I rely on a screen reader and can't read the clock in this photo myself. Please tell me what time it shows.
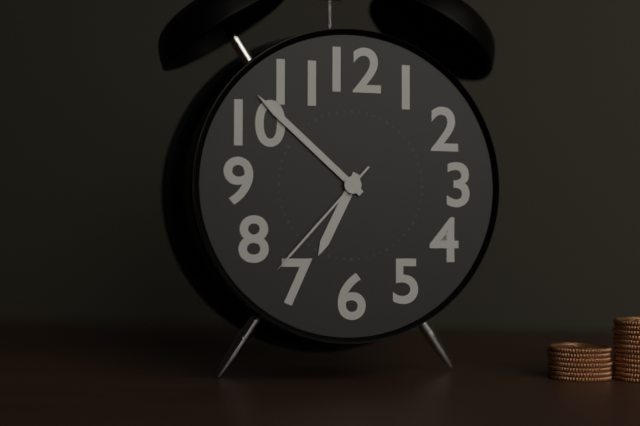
6:52:37
